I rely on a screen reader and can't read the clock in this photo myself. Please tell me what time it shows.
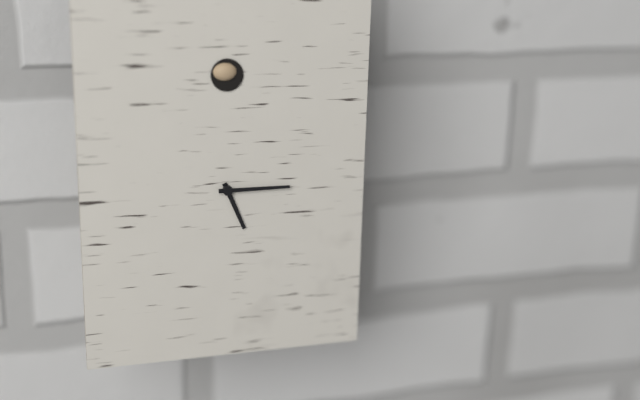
5:15
